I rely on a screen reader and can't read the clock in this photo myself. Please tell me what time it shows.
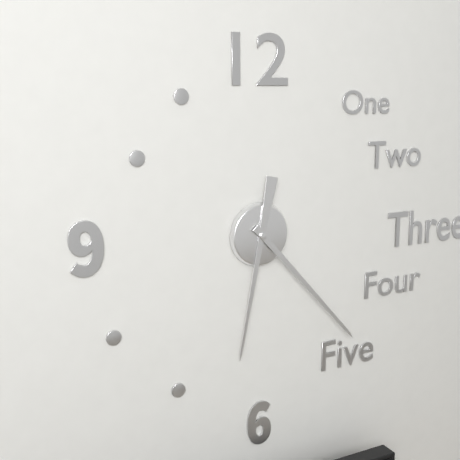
6:23
